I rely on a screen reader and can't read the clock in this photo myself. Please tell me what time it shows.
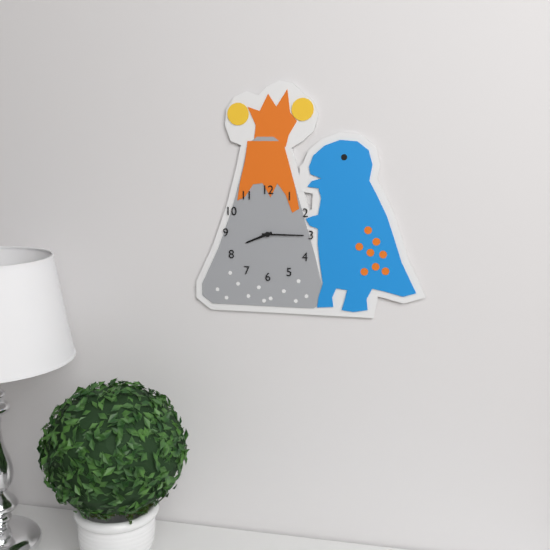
8:15
